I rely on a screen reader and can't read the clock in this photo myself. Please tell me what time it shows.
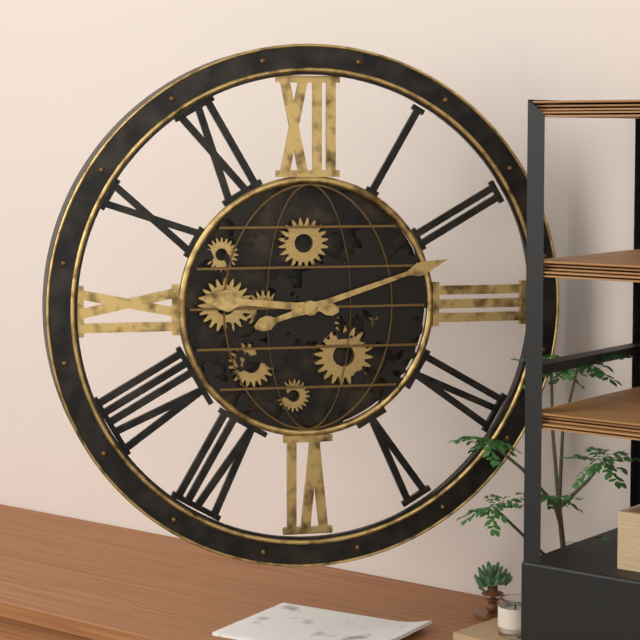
9:12
